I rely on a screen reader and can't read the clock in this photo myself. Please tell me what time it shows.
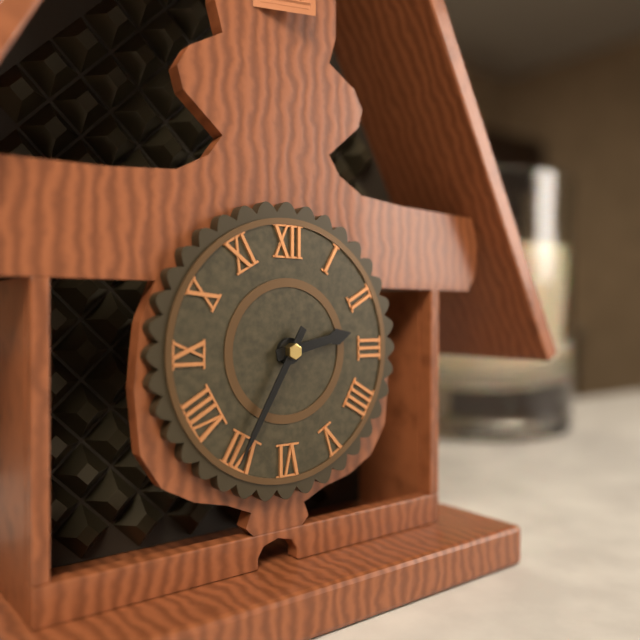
2:35
